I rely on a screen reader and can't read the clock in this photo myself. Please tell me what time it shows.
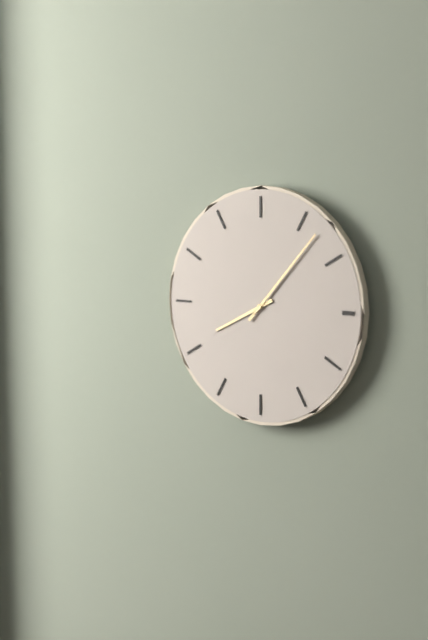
8:07
